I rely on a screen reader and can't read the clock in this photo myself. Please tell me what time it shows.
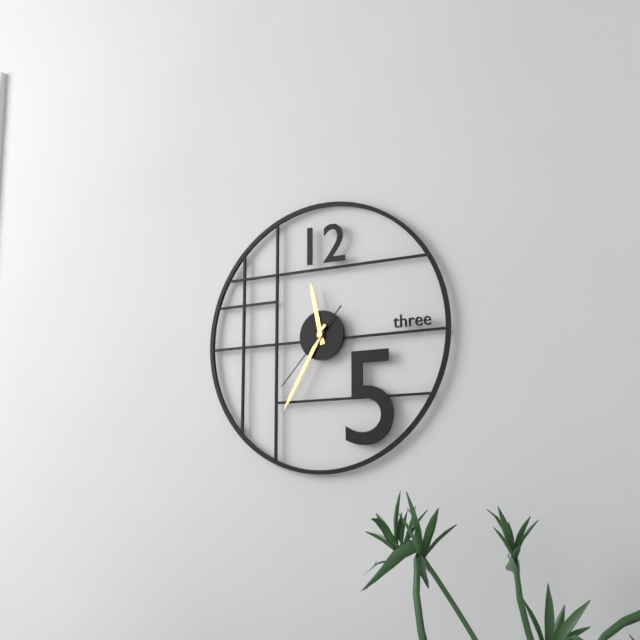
11:35:37
